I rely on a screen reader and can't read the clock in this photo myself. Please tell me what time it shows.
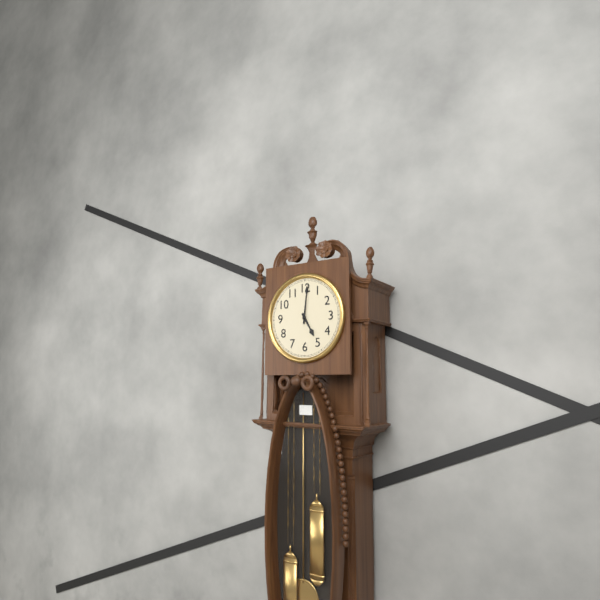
5:01
